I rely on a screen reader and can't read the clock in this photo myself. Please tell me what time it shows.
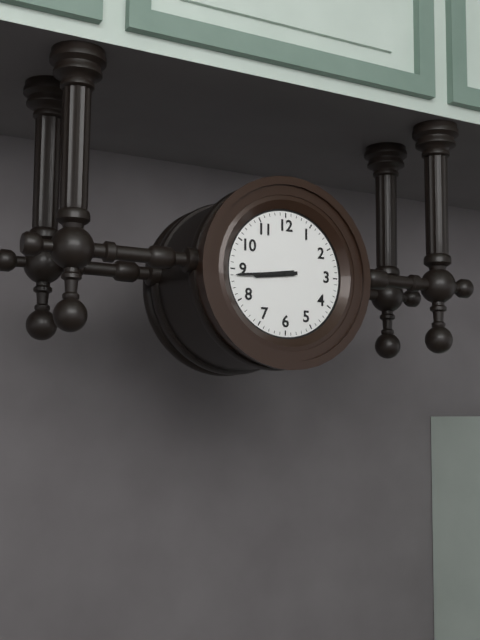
8:44
